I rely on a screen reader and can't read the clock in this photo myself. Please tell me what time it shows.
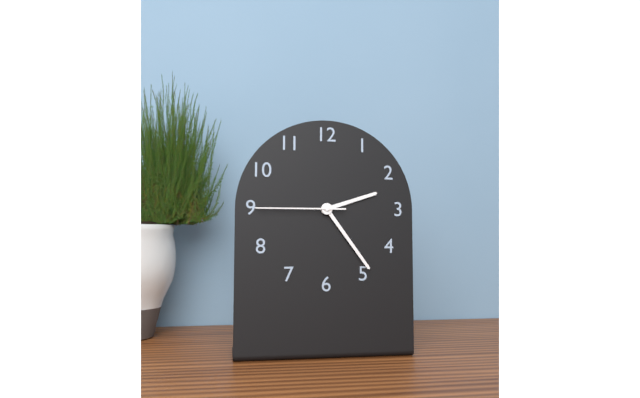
2:24:45
